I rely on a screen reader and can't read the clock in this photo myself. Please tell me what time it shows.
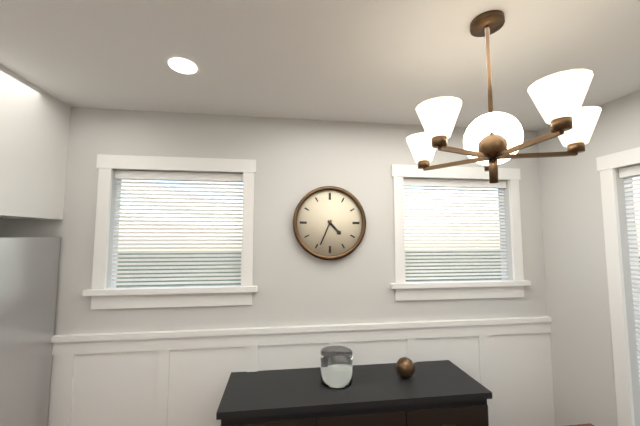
4:34
